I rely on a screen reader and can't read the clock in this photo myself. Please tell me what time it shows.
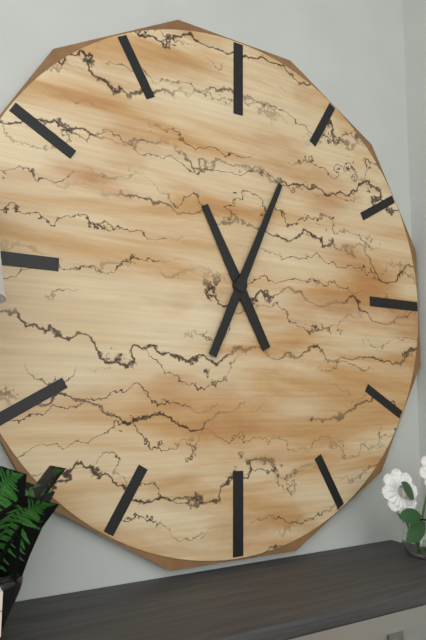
11:04
